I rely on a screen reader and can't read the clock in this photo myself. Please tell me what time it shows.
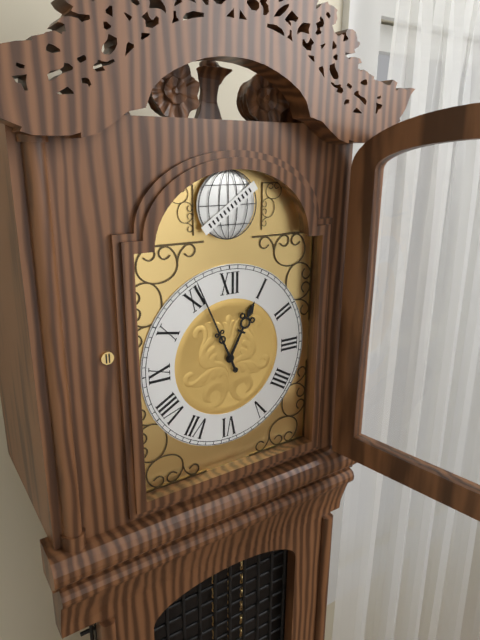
12:56
